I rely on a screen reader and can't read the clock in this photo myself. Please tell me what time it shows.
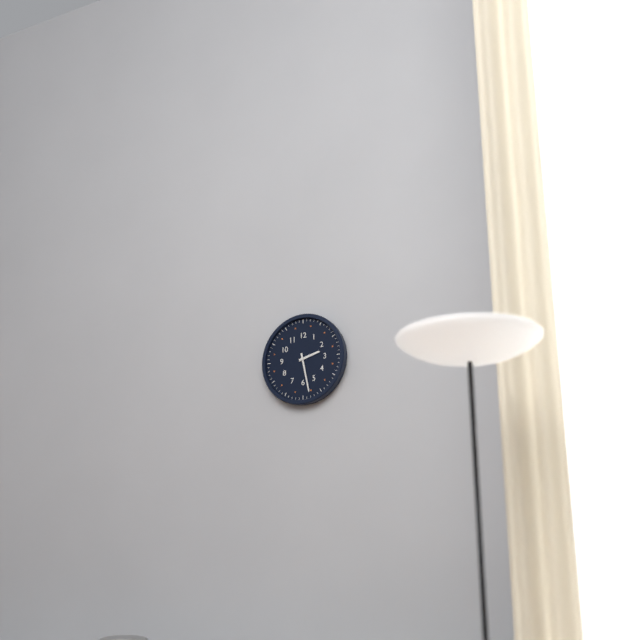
2:28
